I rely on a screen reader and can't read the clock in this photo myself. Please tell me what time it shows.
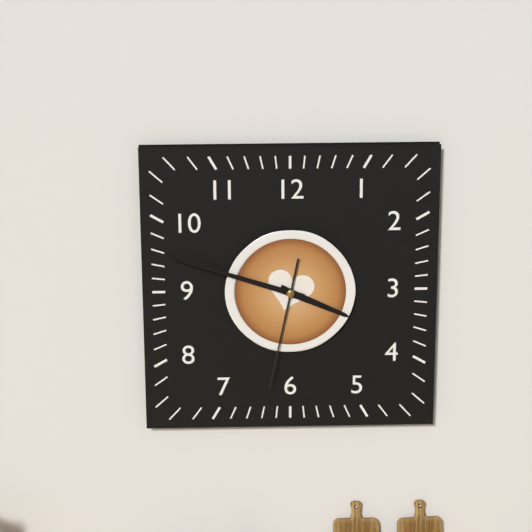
3:48:32
